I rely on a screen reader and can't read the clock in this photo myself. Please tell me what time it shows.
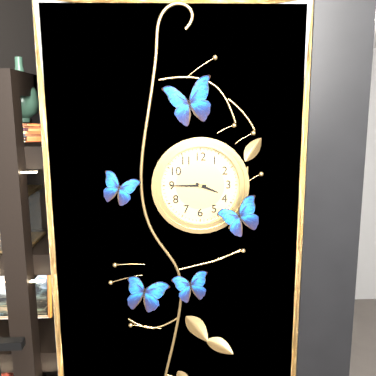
3:45
